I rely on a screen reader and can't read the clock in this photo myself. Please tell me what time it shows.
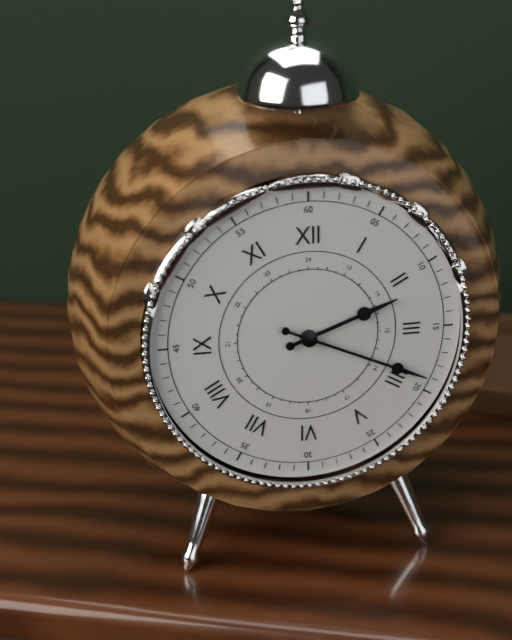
2:19
